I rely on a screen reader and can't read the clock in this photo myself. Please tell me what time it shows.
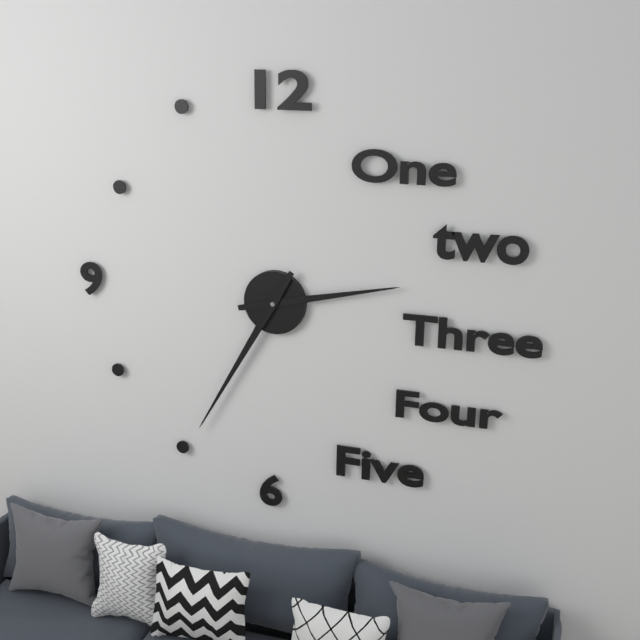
2:35
